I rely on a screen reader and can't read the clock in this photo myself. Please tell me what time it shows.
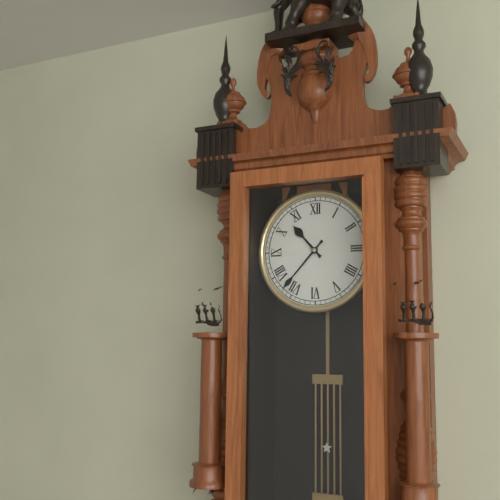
10:37
